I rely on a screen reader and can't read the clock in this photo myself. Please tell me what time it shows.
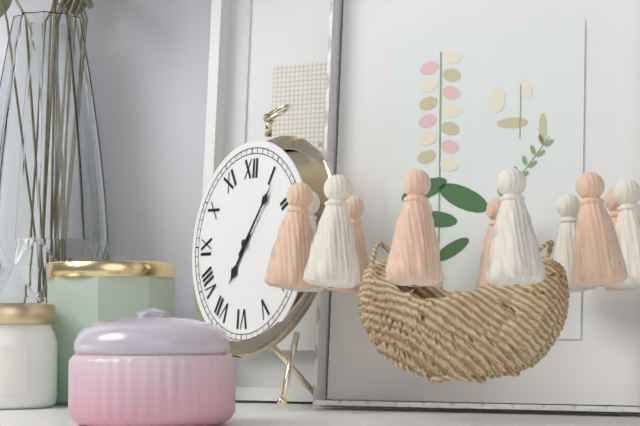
7:06
